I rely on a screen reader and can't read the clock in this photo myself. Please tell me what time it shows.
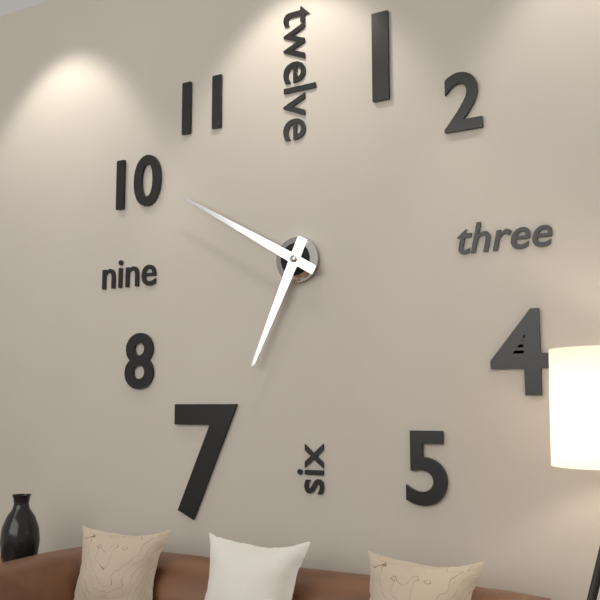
6:50
